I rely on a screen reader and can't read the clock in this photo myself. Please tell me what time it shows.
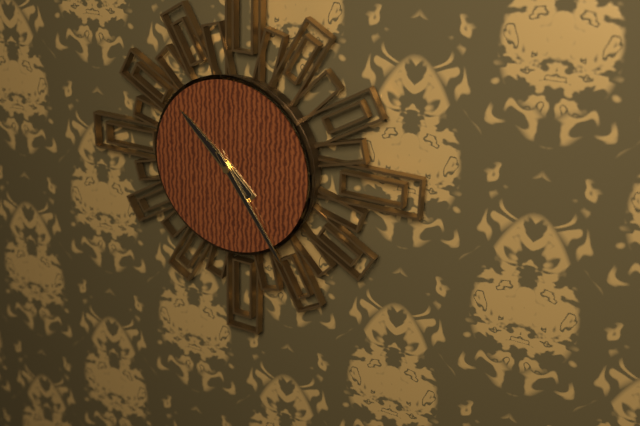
10:24
